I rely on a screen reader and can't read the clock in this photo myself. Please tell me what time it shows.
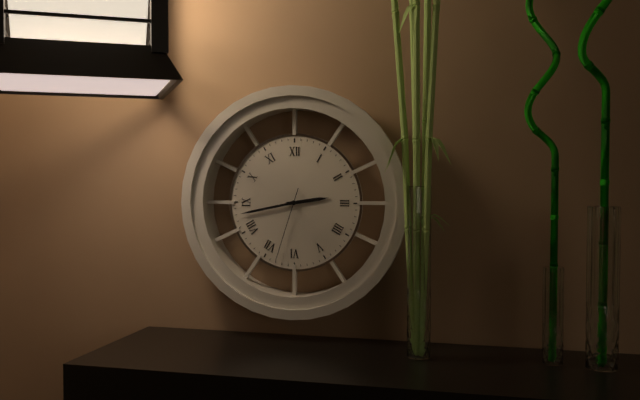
2:43:33
